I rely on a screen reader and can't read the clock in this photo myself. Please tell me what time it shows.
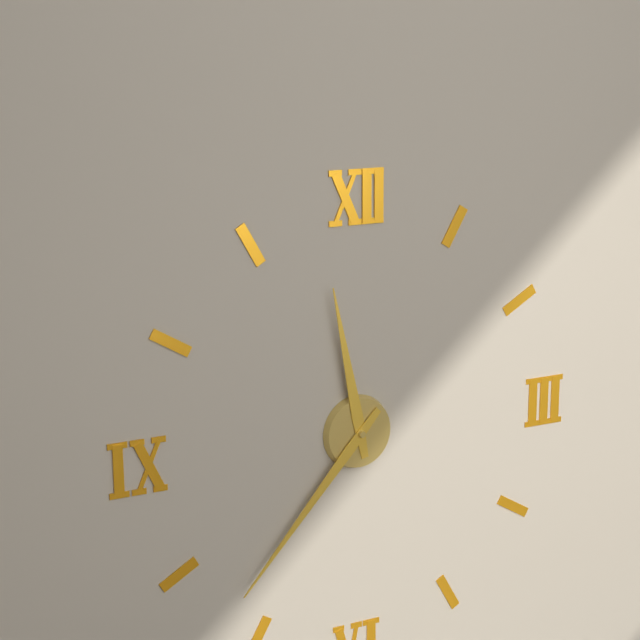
11:37
